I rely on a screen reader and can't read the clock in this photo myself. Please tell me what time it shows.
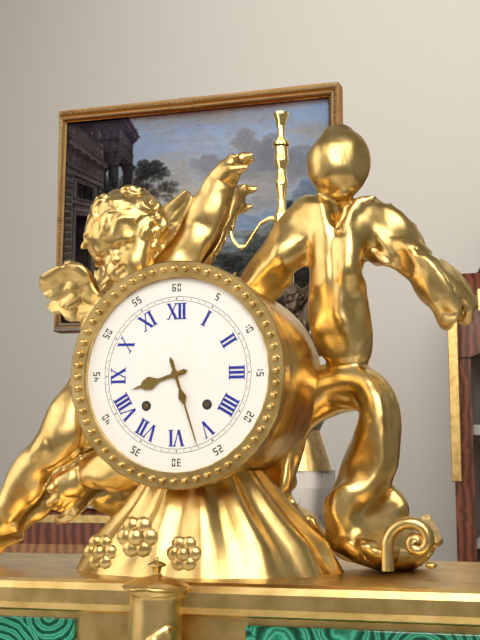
8:27
